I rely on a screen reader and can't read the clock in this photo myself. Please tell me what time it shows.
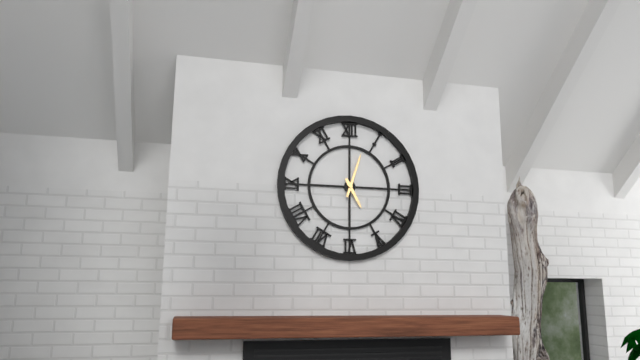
5:03
